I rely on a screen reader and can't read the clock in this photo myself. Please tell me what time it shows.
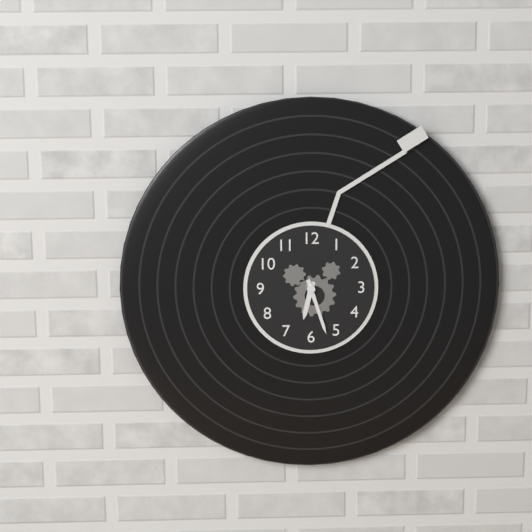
6:27
